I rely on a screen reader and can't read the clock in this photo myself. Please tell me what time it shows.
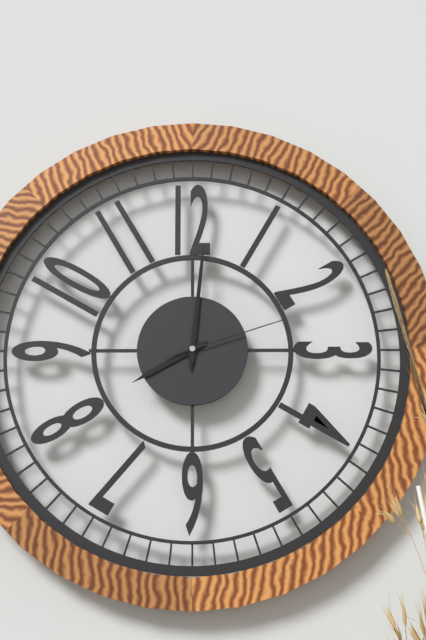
8:01:12
